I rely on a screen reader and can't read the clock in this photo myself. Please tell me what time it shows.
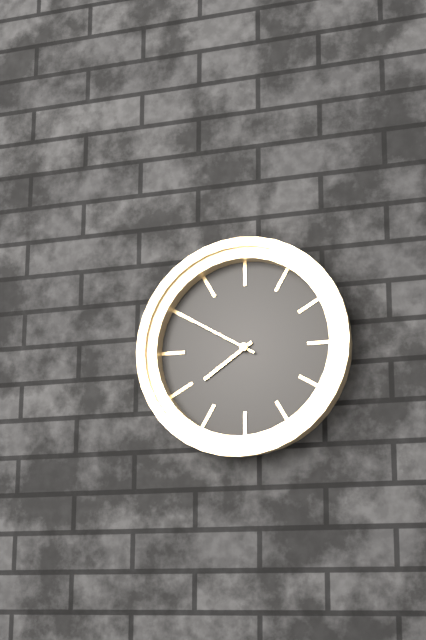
7:50
